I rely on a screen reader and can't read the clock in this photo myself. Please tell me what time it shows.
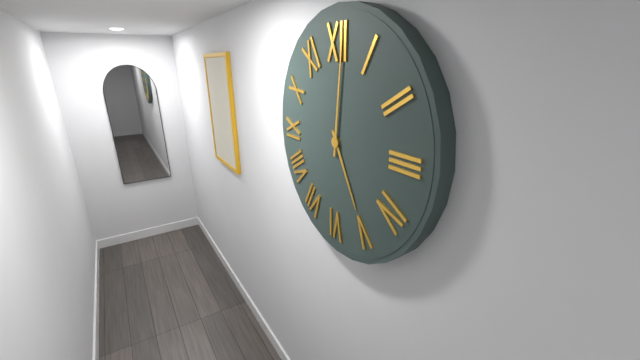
5:01
